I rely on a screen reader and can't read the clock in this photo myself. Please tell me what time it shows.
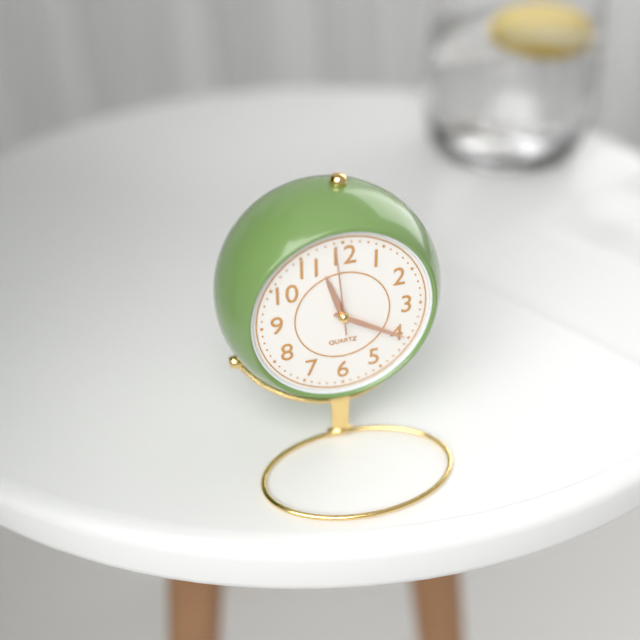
11:20:59
